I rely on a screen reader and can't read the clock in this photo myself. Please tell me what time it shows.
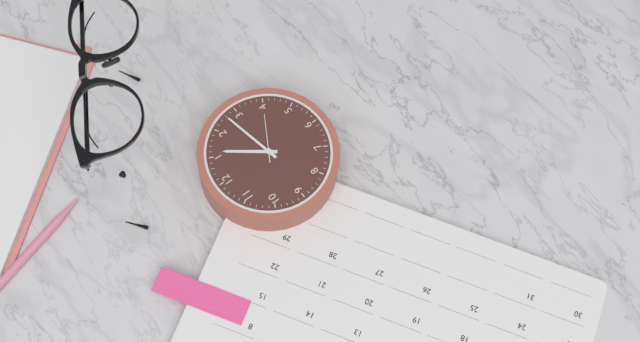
1:13:20
